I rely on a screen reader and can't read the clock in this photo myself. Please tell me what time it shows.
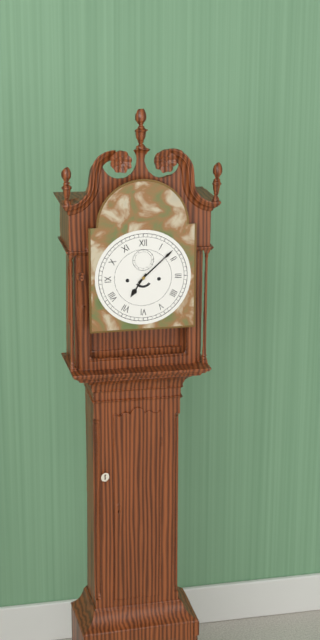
7:08
